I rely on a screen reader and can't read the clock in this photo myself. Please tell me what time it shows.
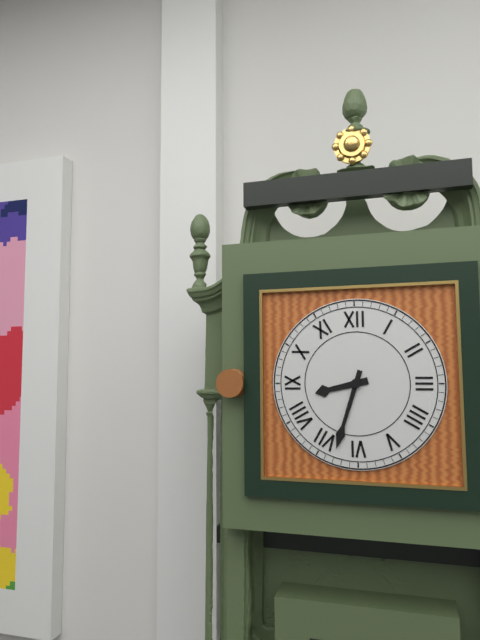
8:33
